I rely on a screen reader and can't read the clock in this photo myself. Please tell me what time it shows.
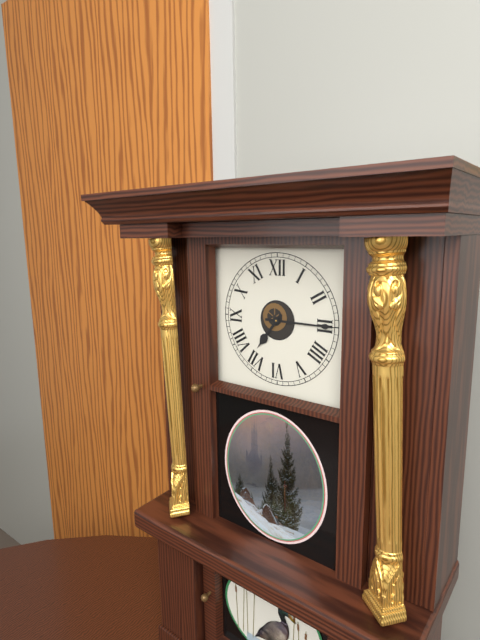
7:15
